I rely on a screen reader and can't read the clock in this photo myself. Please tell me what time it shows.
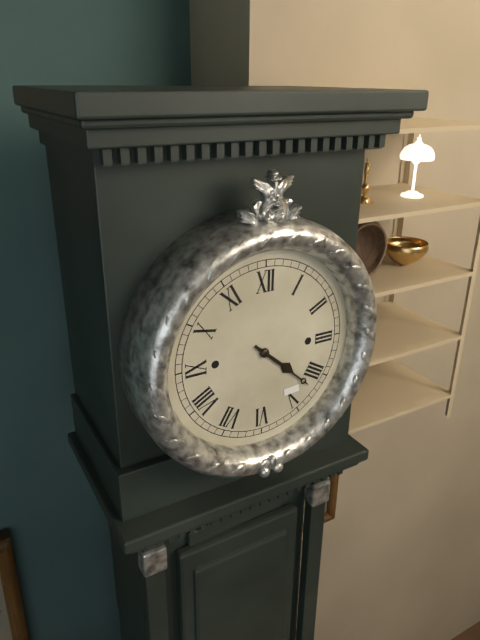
4:22
